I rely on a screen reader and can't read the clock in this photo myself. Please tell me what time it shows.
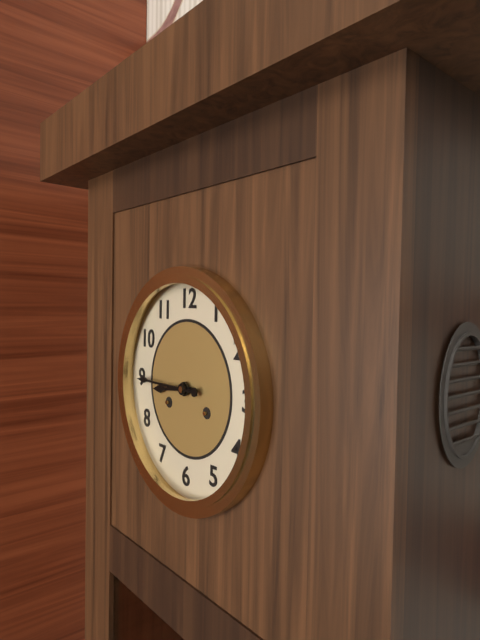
8:45
